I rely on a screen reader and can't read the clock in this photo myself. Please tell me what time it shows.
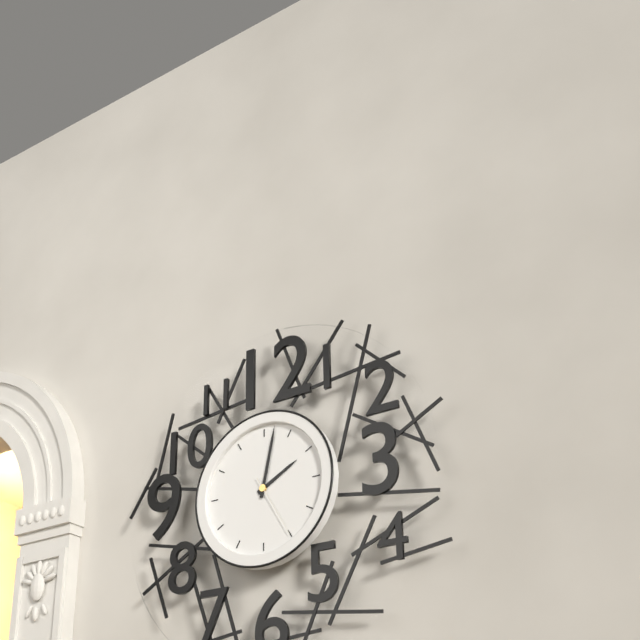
2:02:25
